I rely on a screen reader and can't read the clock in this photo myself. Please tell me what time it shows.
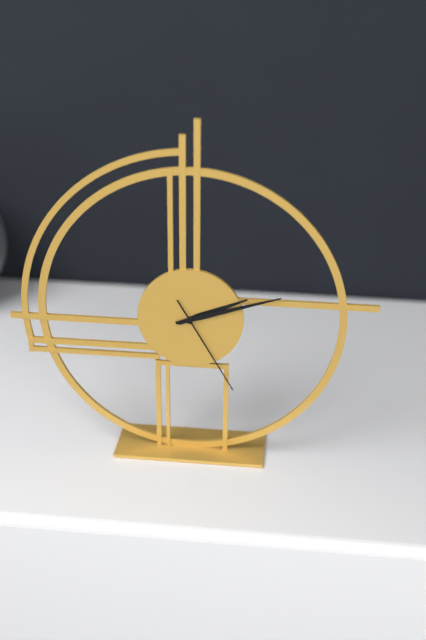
2:12:25
